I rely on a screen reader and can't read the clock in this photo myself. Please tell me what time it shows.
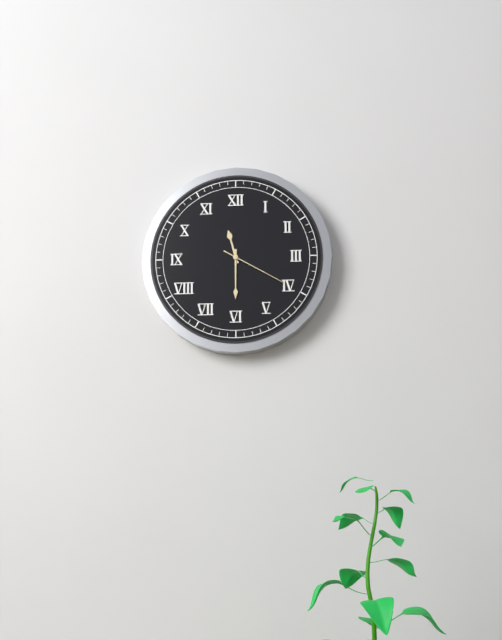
11:30:20
